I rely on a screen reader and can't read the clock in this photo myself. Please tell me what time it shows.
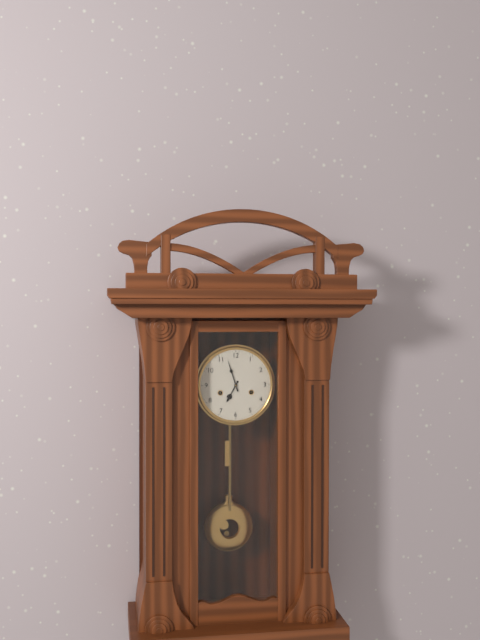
6:57
